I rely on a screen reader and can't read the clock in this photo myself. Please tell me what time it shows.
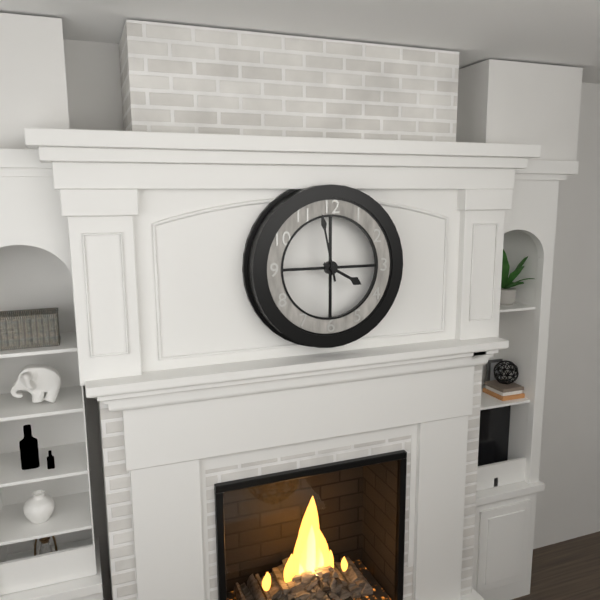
3:58
